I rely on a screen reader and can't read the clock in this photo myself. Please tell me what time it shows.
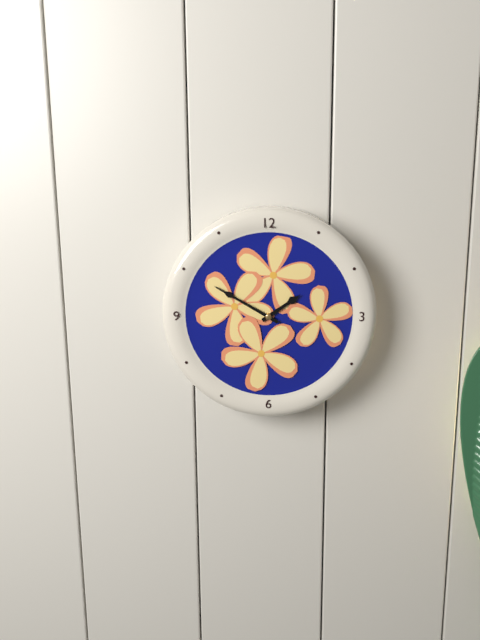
1:50
